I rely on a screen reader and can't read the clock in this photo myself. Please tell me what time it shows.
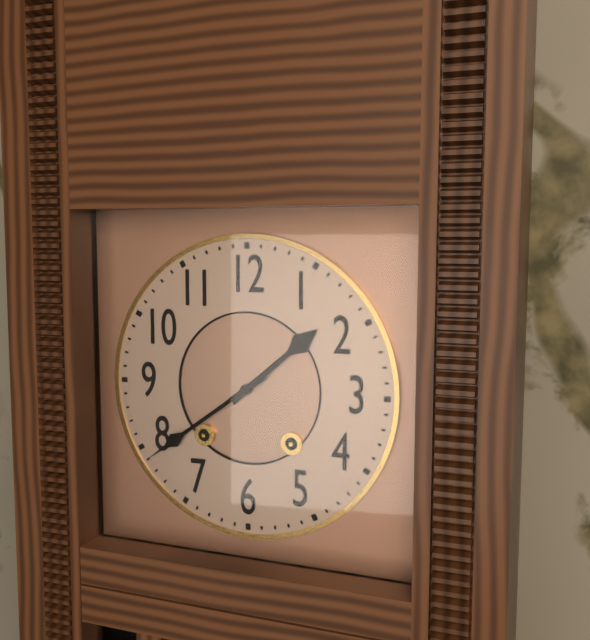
1:39
